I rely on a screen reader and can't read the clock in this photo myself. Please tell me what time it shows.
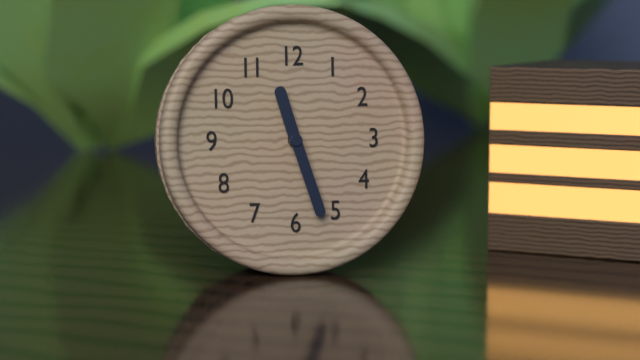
11:27
